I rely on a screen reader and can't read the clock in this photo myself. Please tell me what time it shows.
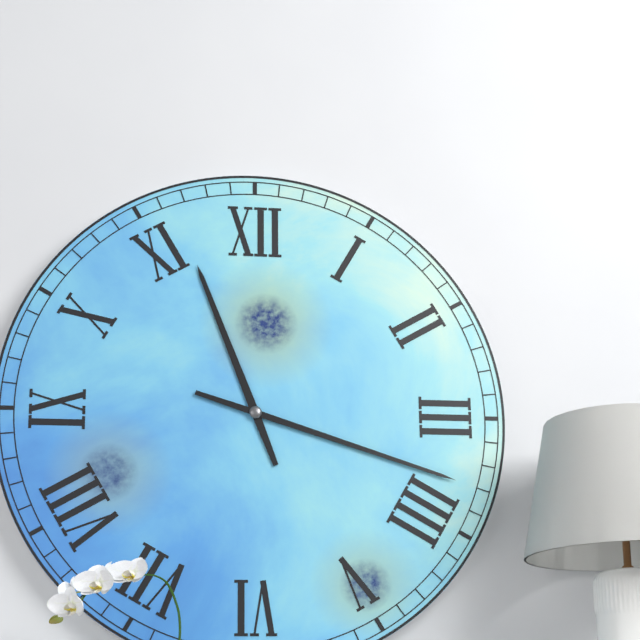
11:18
